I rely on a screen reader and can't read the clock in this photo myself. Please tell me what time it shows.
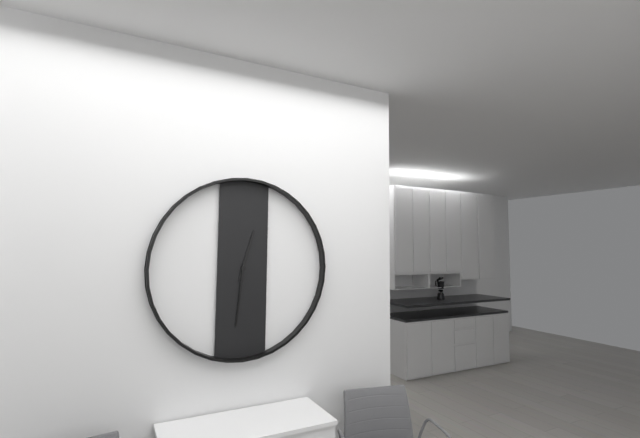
12:31
